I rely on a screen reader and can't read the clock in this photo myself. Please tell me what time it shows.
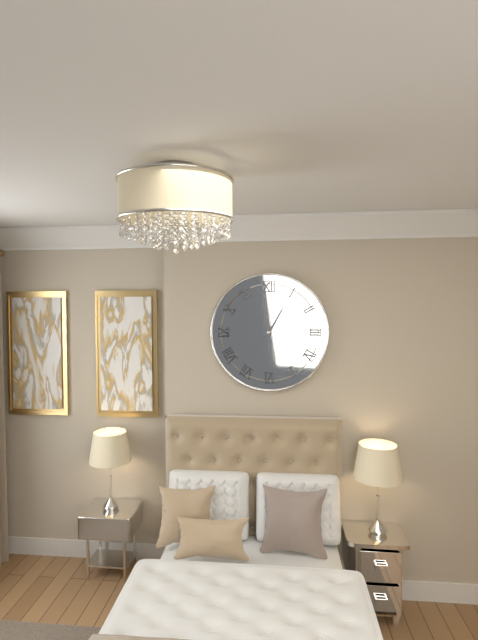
12:59
